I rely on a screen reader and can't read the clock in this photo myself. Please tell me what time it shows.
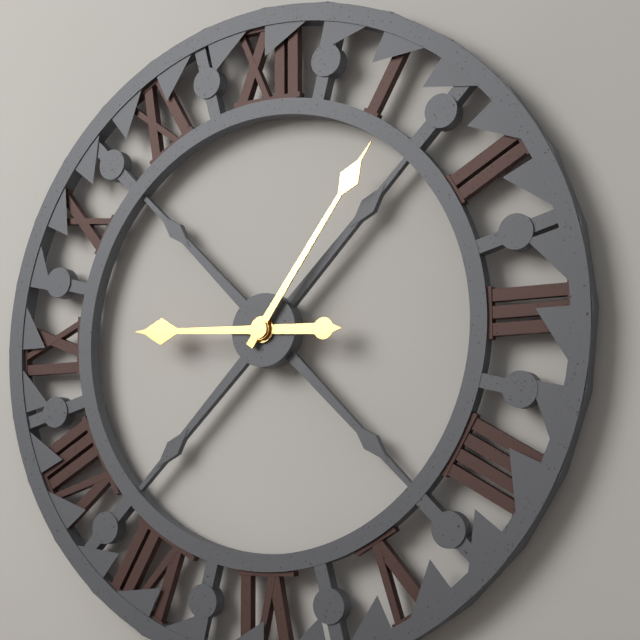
9:06
